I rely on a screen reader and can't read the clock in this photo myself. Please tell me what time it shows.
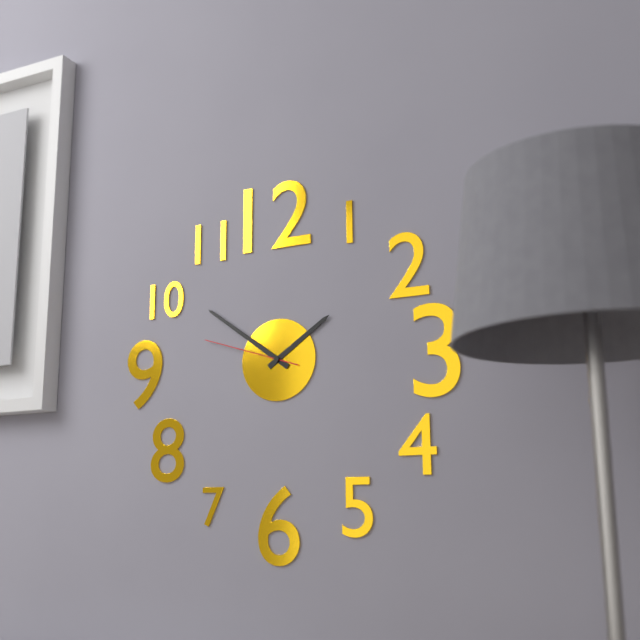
1:51:48
